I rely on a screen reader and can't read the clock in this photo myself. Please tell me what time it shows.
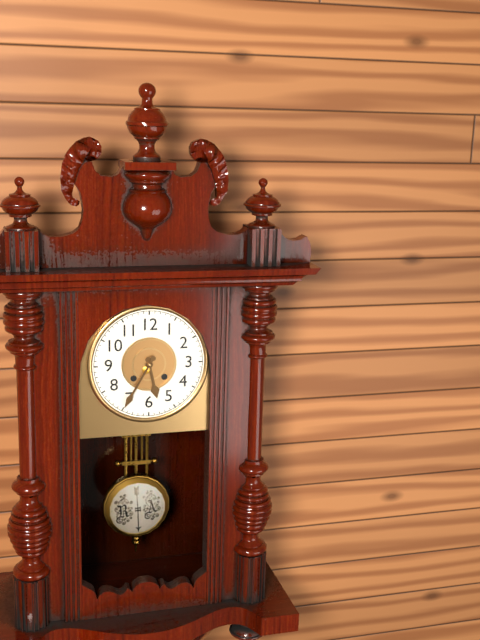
5:35
